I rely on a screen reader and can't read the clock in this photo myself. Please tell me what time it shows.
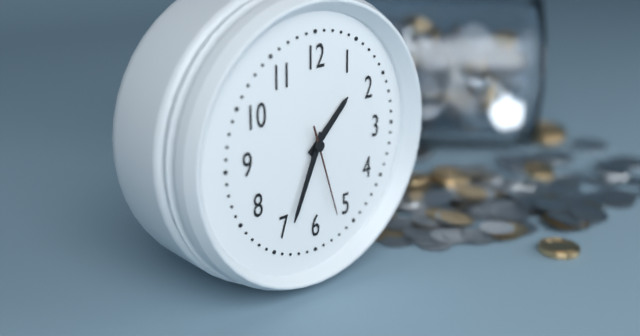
1:34:27
